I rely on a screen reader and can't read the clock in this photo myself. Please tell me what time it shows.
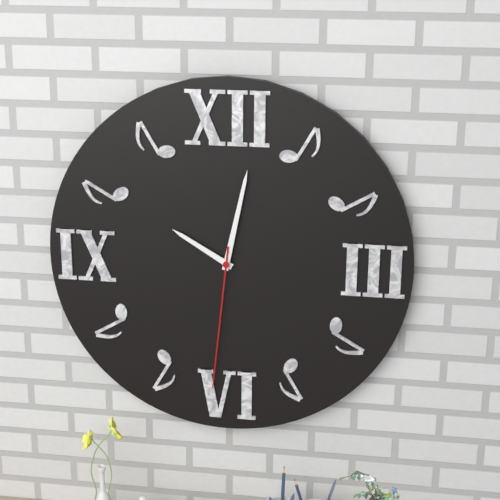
10:02:31
